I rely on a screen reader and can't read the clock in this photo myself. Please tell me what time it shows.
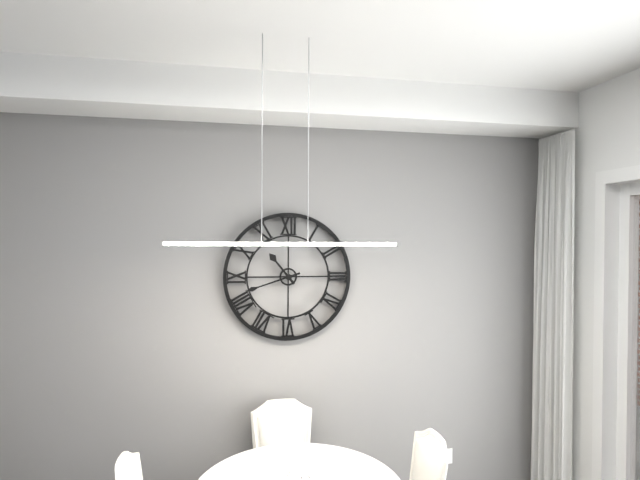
10:42
